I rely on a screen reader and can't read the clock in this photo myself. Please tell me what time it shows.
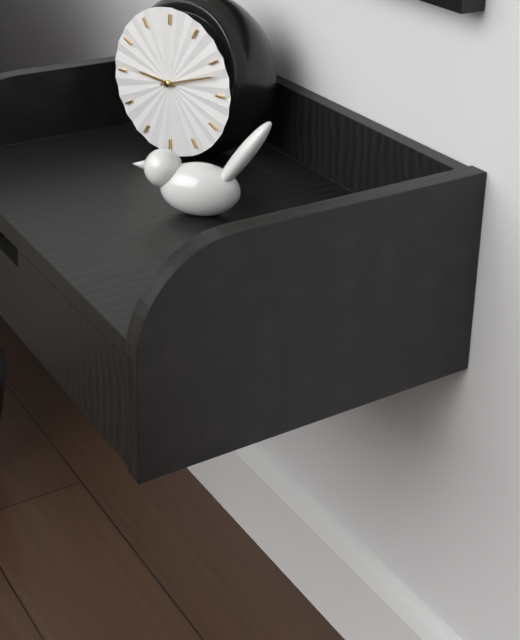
9:12
